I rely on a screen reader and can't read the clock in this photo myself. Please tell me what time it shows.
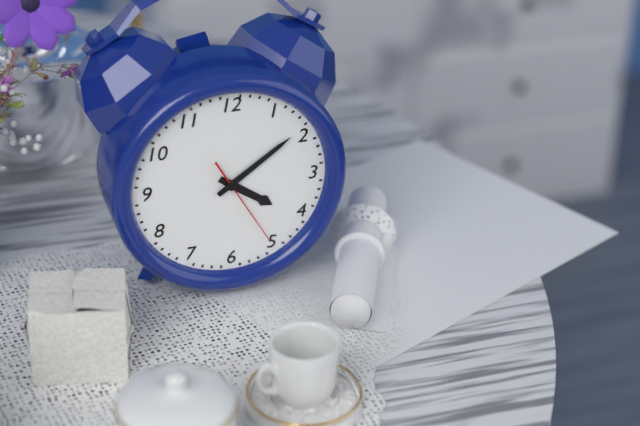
4:09:25
